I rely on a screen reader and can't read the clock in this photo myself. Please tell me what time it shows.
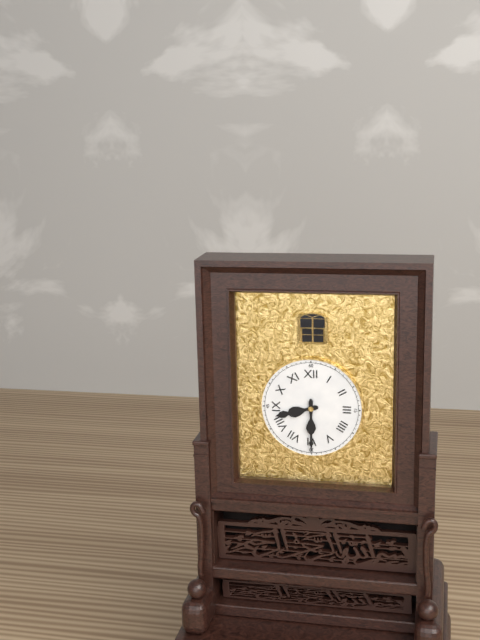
8:30
